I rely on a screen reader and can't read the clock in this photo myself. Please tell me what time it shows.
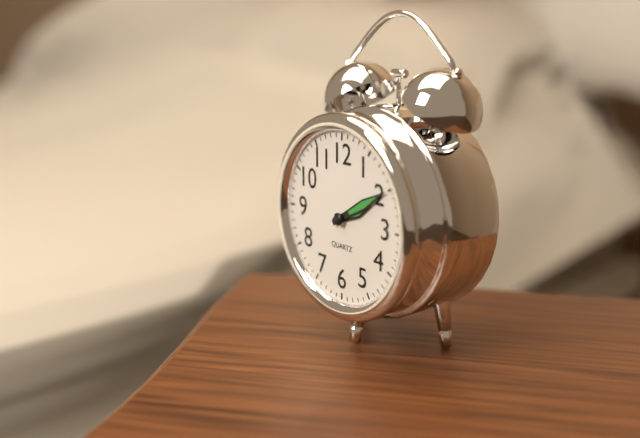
2:10
